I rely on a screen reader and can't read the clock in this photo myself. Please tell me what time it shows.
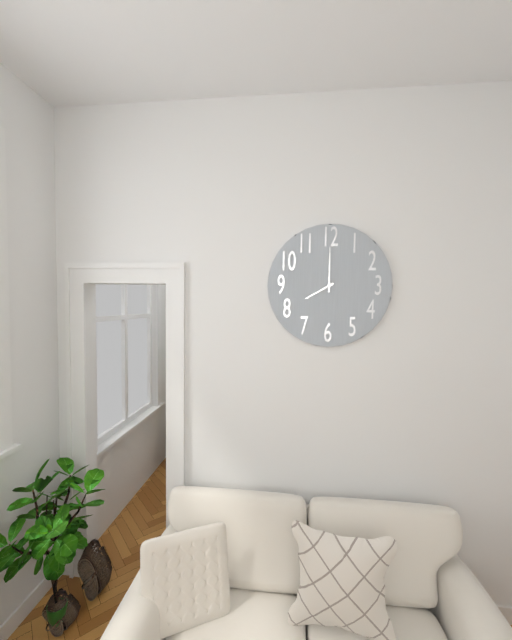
8:00
